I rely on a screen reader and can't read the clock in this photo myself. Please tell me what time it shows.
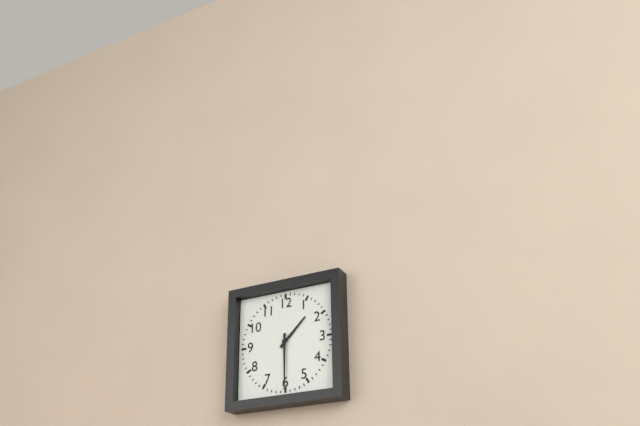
1:30
